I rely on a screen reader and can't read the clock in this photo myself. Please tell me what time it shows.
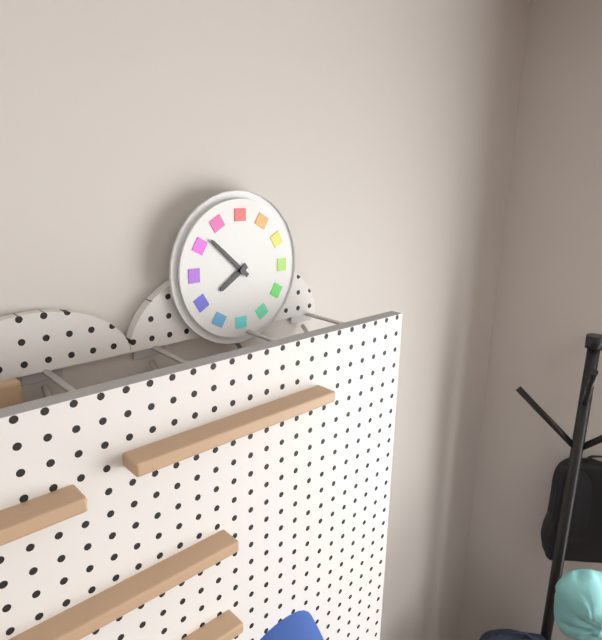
7:52
